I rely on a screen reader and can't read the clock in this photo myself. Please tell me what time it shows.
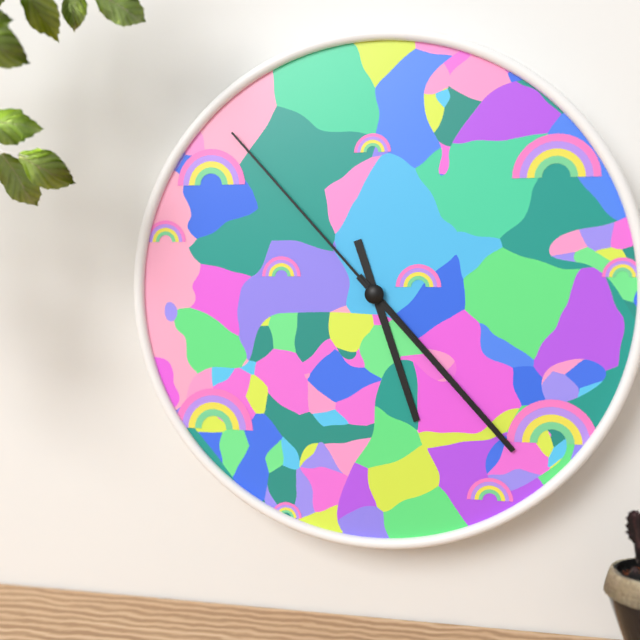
5:23:53
